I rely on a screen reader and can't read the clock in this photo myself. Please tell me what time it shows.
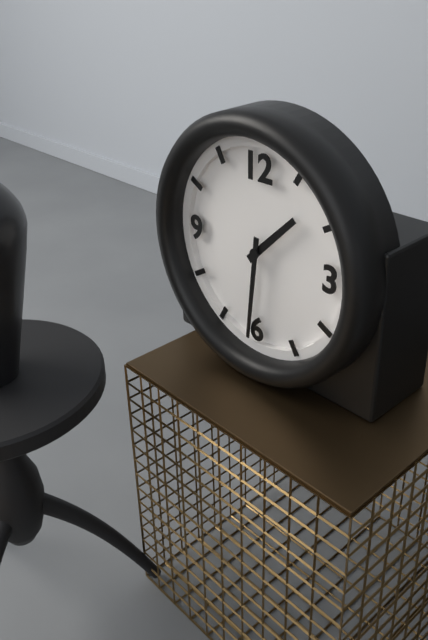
1:31
